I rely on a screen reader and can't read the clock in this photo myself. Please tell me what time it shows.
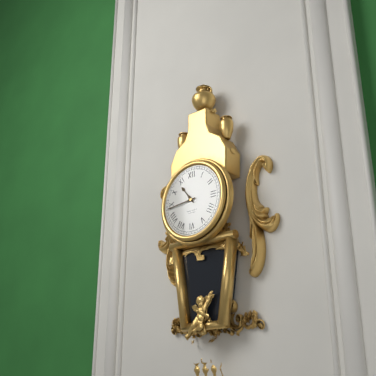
10:44
